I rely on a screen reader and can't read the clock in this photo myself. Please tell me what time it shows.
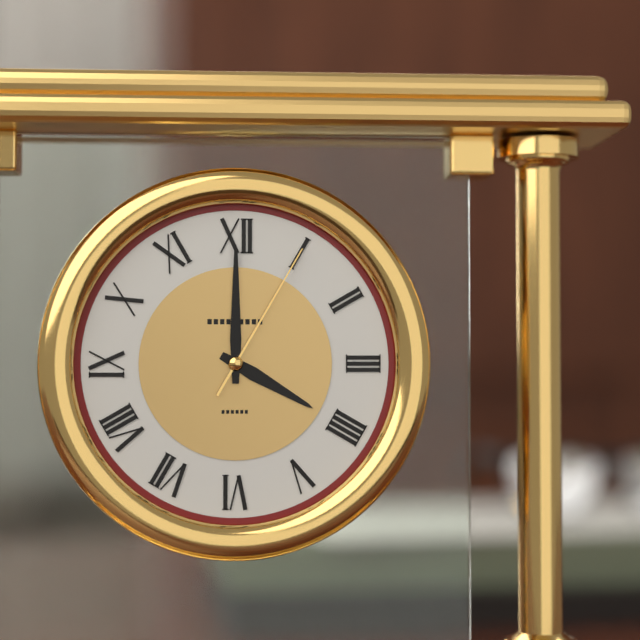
4:00:05
